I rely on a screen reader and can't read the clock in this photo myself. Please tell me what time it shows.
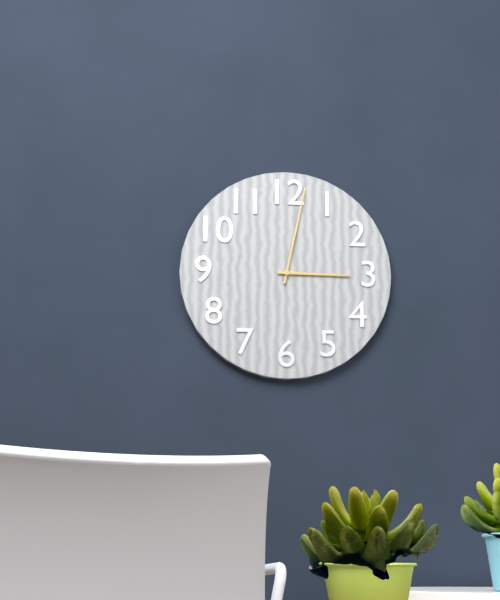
3:02
